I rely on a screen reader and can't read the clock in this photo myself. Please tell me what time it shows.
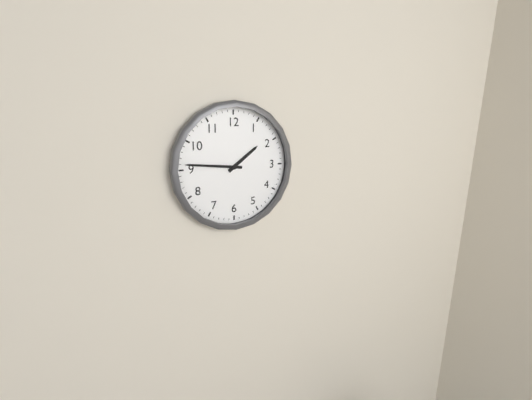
1:46
